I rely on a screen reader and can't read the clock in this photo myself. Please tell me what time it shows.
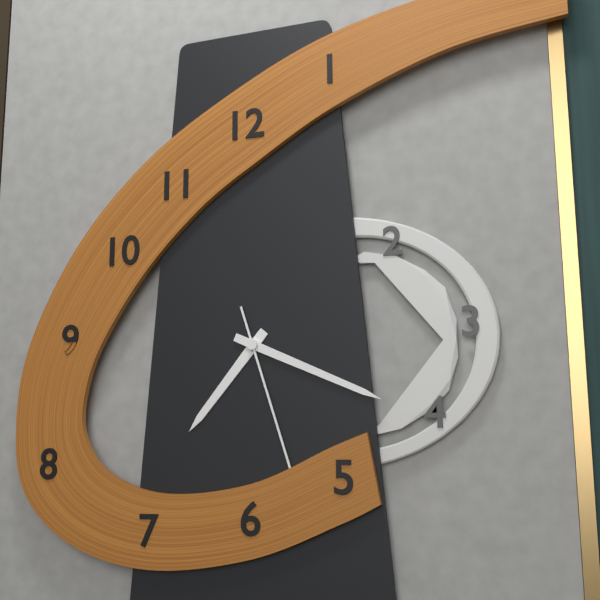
7:19:27
